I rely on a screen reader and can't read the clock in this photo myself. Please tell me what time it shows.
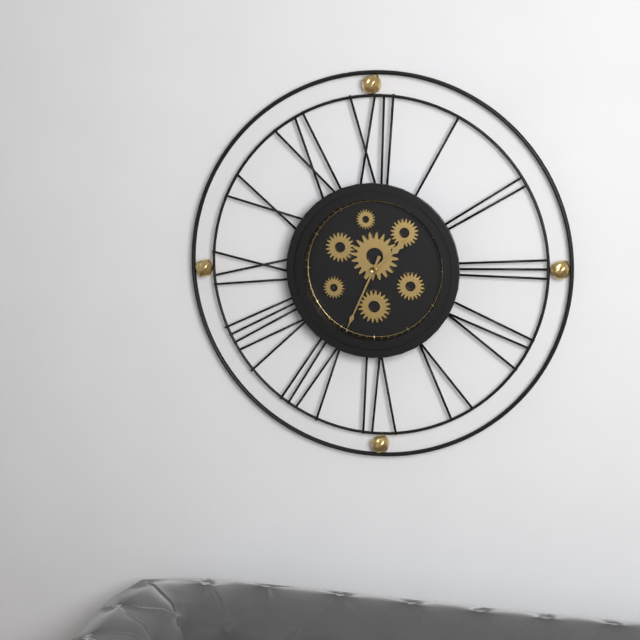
1:34
